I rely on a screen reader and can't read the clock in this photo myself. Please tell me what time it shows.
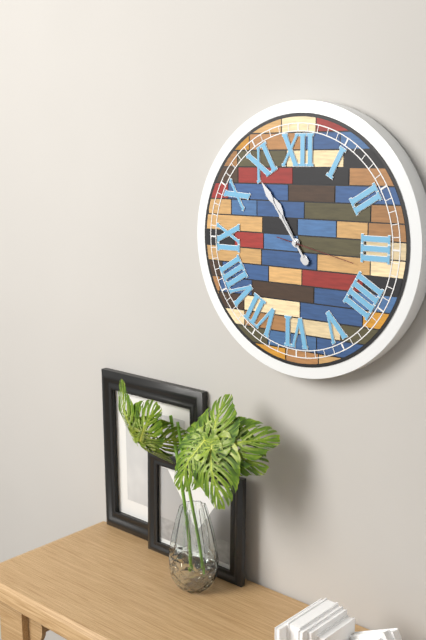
10:54:17
